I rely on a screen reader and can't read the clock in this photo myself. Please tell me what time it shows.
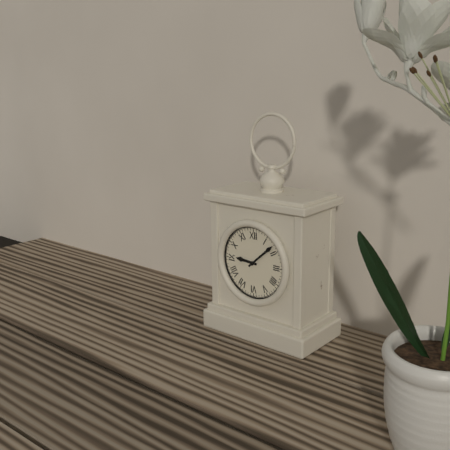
9:08
